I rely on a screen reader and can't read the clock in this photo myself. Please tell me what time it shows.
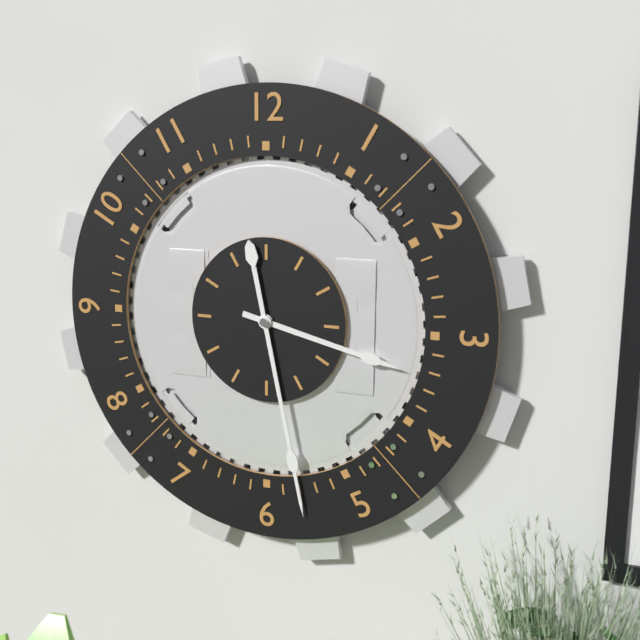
3:28
